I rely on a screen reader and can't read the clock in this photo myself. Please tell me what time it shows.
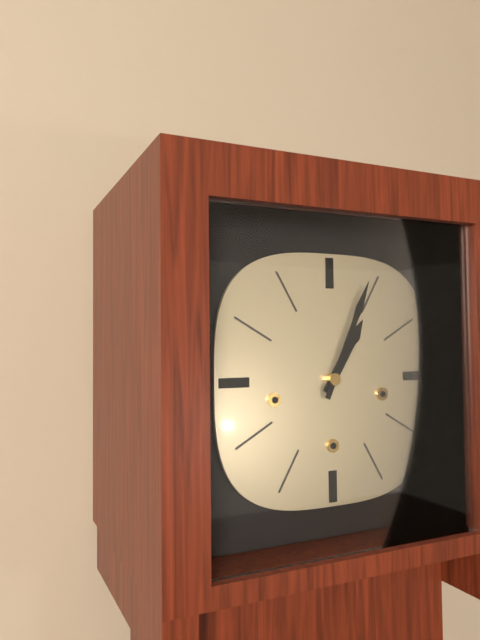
1:04
